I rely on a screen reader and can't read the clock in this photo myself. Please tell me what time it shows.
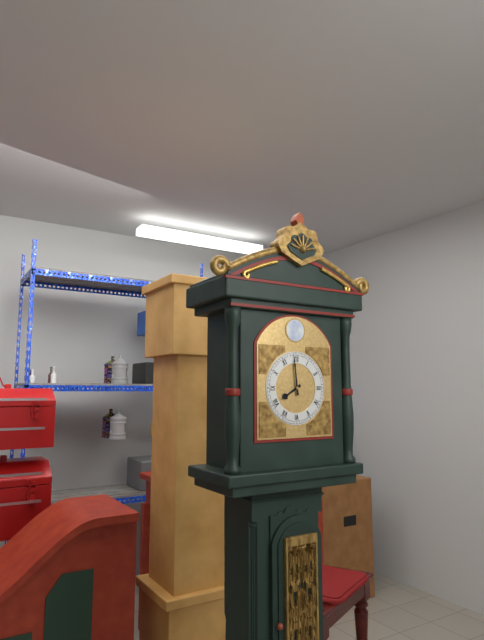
7:59
